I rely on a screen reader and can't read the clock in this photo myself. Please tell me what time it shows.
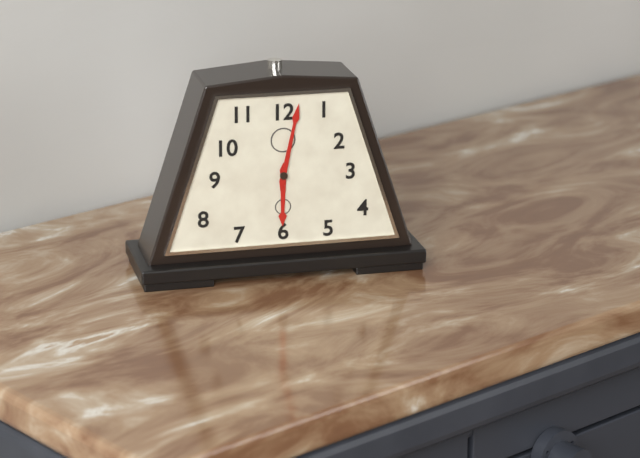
6:02
